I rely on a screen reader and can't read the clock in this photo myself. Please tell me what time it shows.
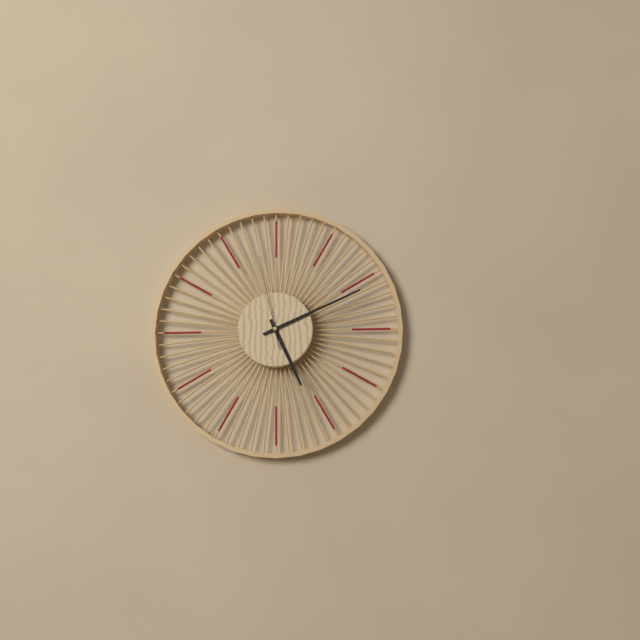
5:11:58
